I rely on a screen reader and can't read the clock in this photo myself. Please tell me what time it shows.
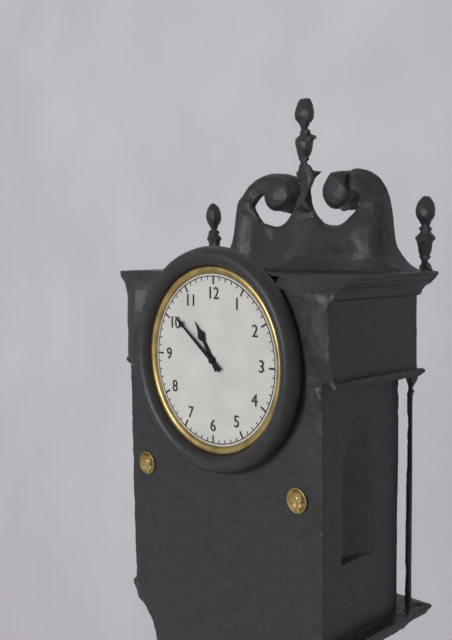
10:51
